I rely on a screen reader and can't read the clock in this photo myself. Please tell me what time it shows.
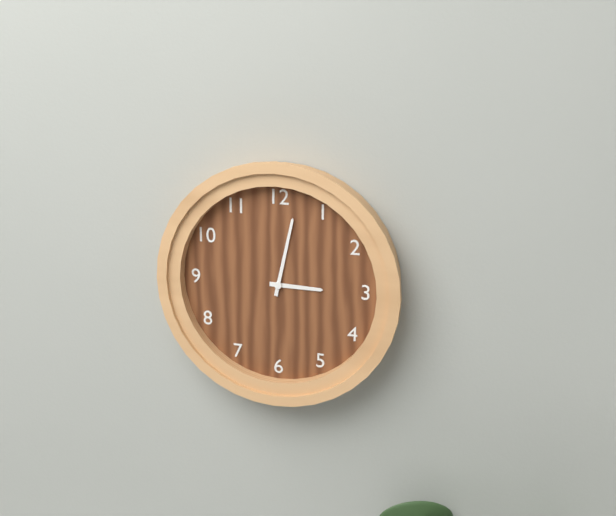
3:02
